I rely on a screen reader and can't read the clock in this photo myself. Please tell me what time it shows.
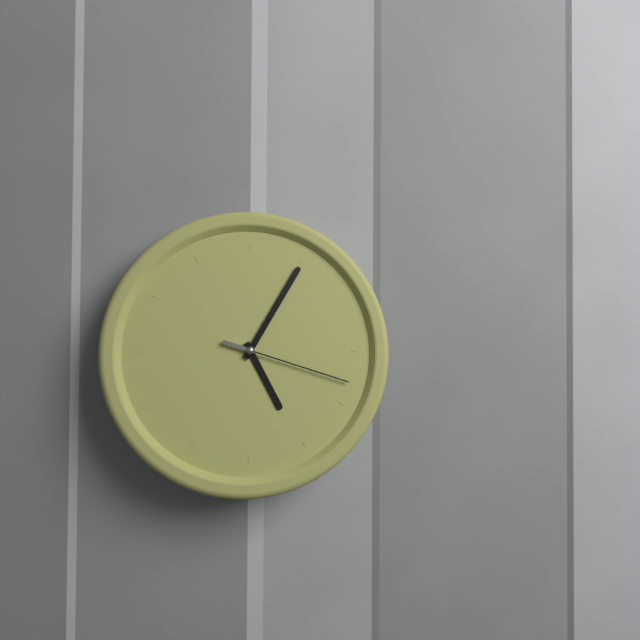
5:05:18
